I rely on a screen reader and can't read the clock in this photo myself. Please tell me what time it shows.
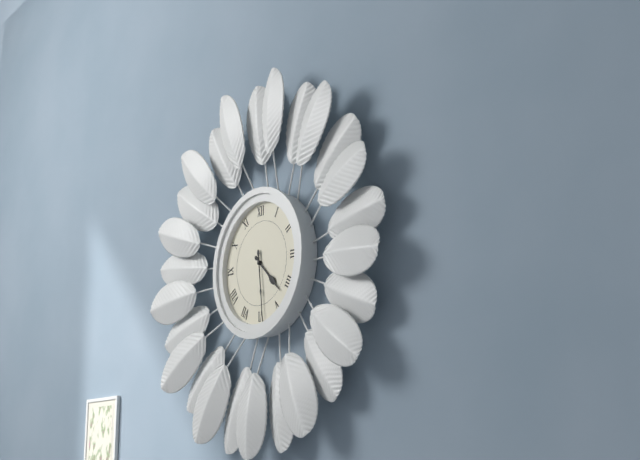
4:29
